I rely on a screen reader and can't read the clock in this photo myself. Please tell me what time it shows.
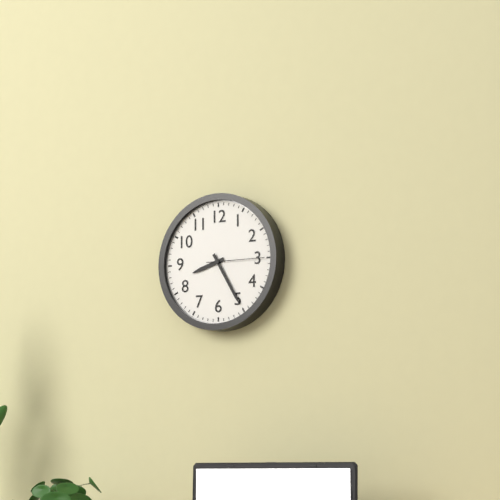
8:25:15
